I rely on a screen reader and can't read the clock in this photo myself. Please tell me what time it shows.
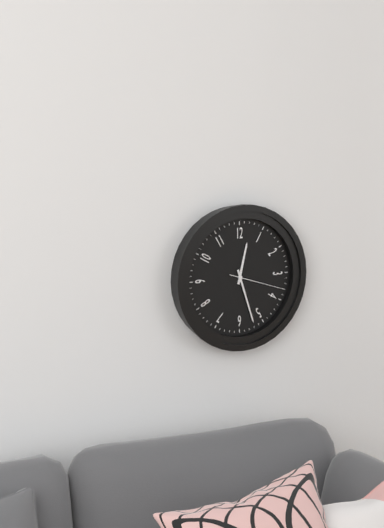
12:27:18
